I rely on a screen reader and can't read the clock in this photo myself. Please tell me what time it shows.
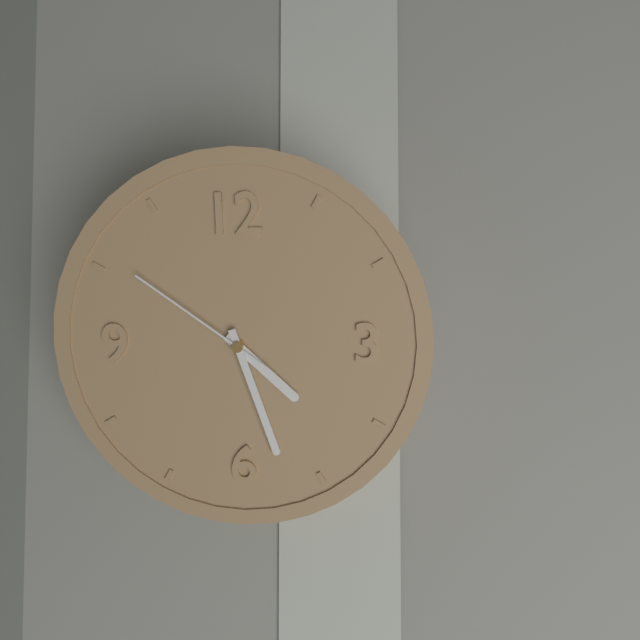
4:27:51
